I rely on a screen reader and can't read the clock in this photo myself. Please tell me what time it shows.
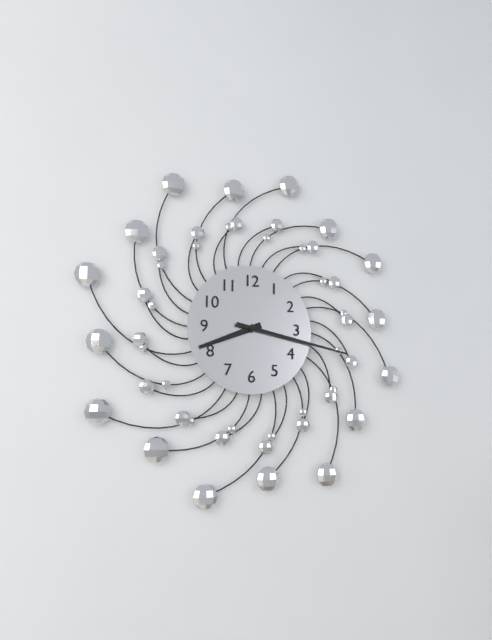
8:17
